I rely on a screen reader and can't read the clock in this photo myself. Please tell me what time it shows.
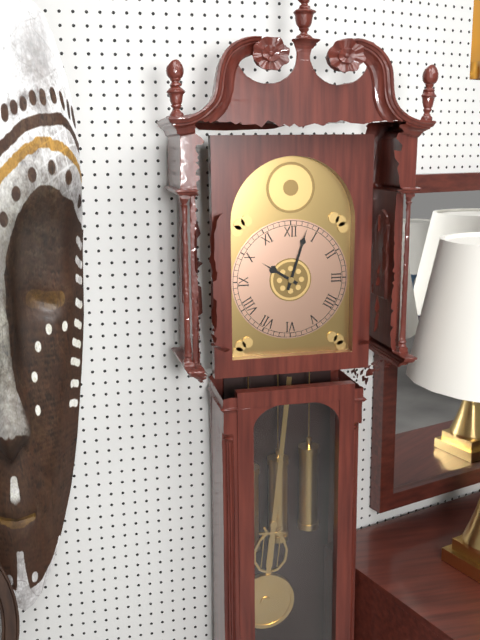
10:03
